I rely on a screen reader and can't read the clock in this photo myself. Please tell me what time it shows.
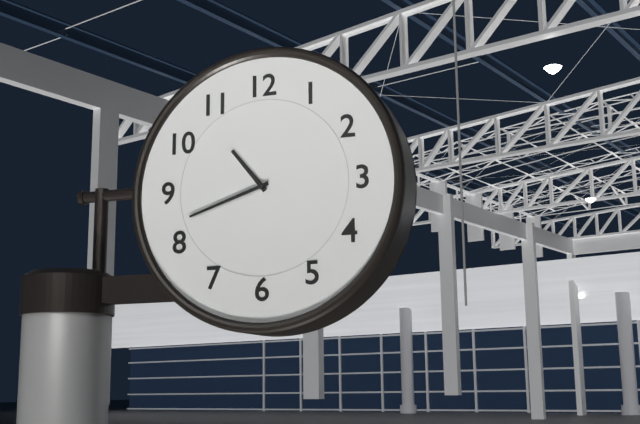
10:42
